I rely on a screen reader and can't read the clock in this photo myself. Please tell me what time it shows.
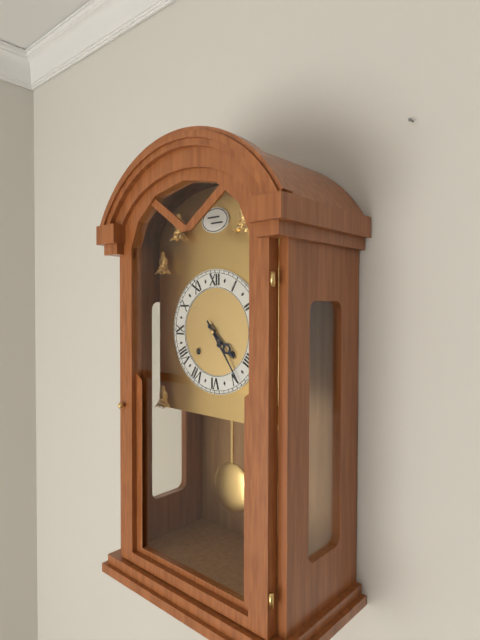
4:24
